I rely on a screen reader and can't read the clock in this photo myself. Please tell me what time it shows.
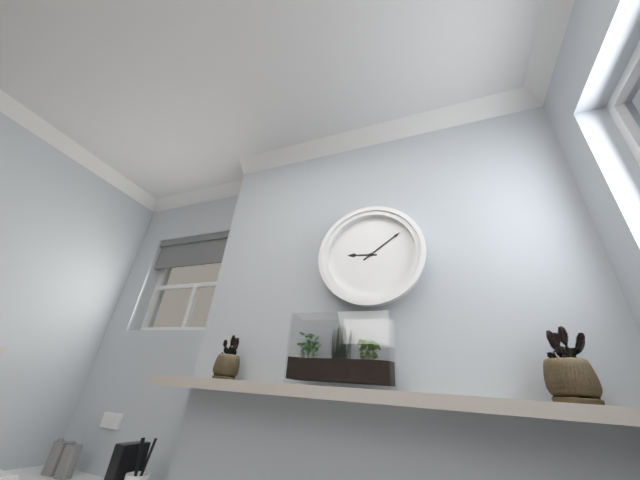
9:09
